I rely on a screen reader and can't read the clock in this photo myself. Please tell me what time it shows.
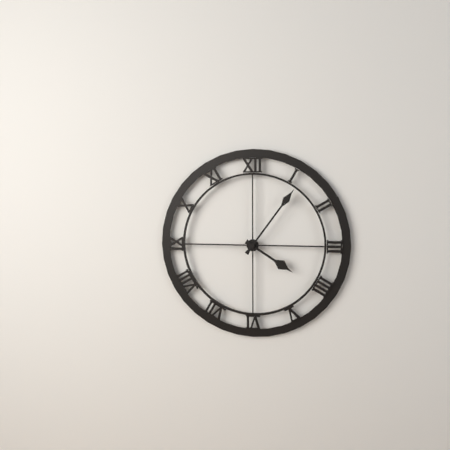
4:06
